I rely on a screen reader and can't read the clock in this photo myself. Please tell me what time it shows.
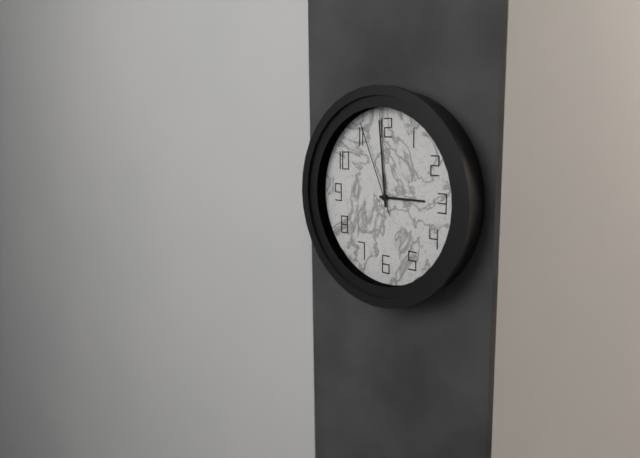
2:59:56
